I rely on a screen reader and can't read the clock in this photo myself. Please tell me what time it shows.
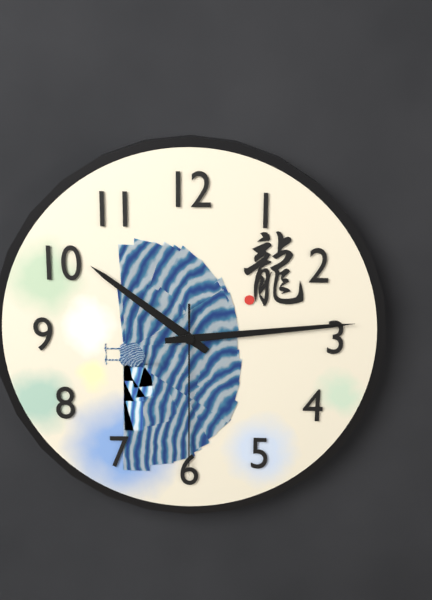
10:14:30
